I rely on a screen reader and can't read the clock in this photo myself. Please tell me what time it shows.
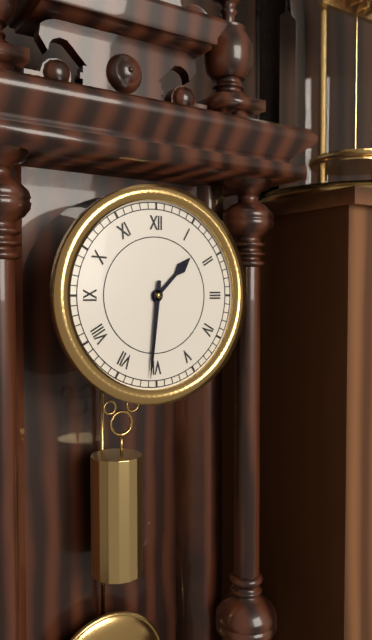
1:31
